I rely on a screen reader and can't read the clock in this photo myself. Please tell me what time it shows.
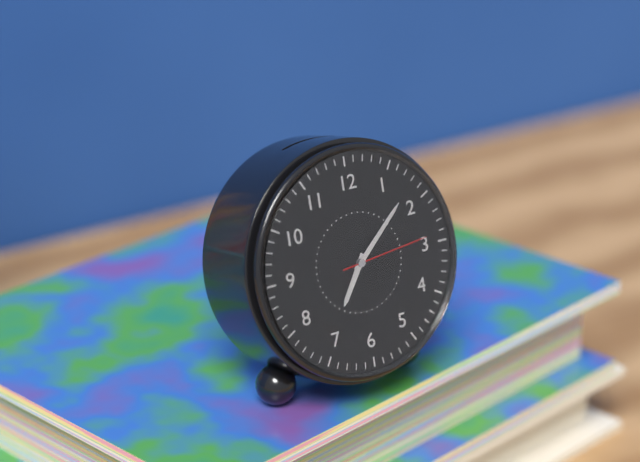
7:08:14
